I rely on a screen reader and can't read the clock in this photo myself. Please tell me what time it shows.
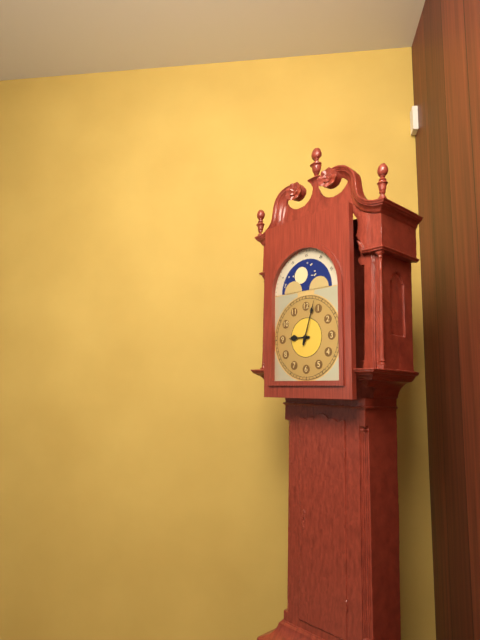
9:03
